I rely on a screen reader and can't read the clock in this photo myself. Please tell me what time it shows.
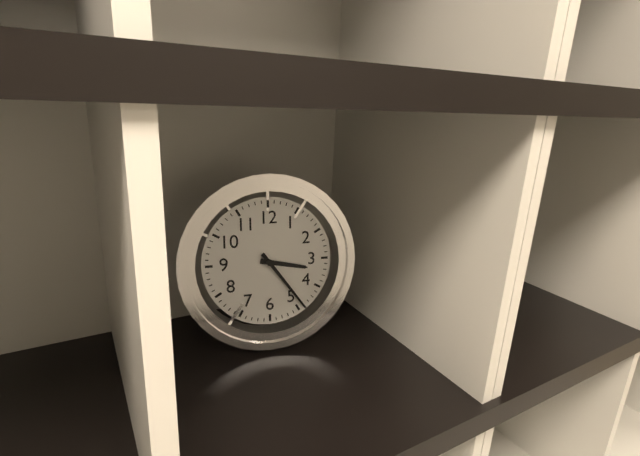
3:24
